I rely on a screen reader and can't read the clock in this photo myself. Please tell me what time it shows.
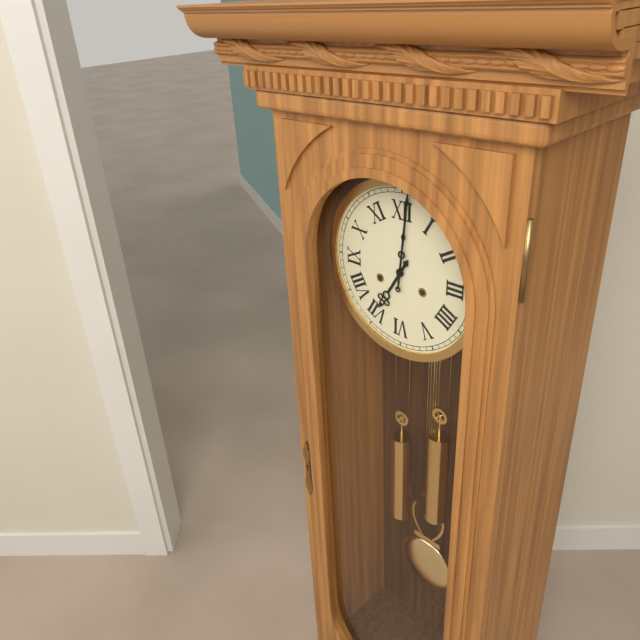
7:01
